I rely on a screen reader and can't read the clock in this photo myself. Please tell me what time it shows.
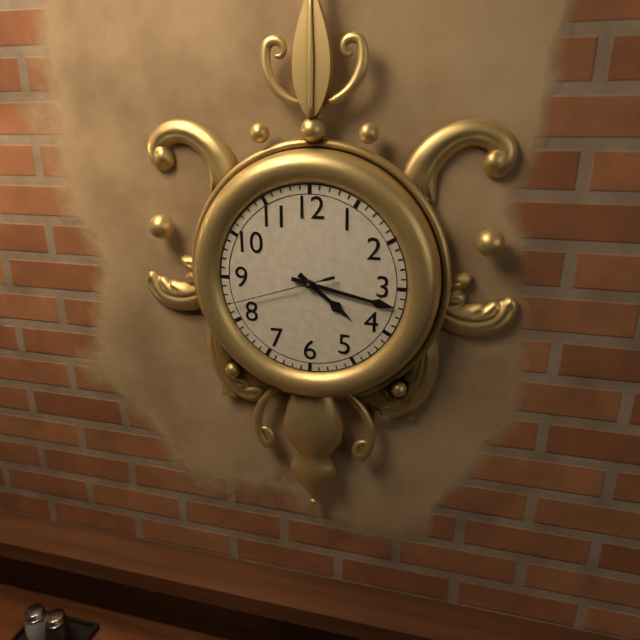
4:17:42
